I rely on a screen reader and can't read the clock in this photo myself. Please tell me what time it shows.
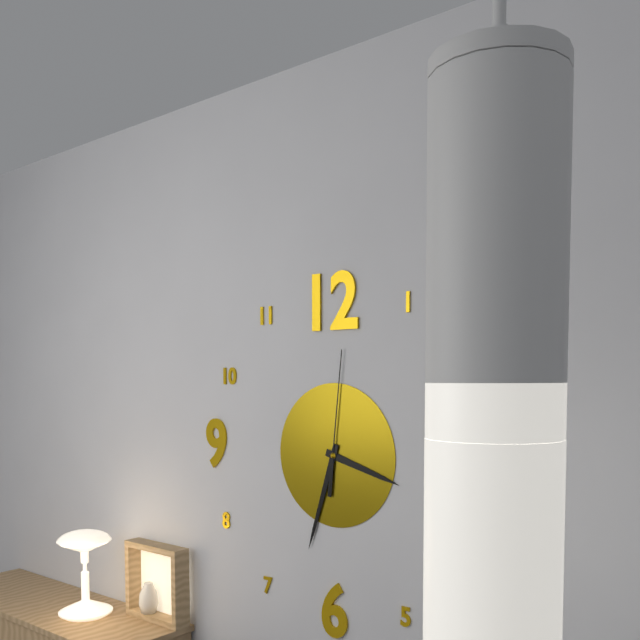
3:33:01
